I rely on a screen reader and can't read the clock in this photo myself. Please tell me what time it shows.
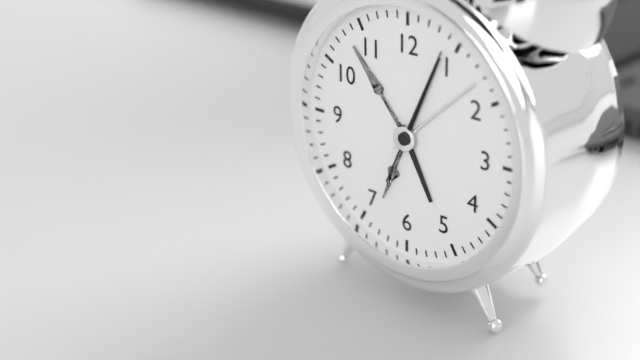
5:04:04
